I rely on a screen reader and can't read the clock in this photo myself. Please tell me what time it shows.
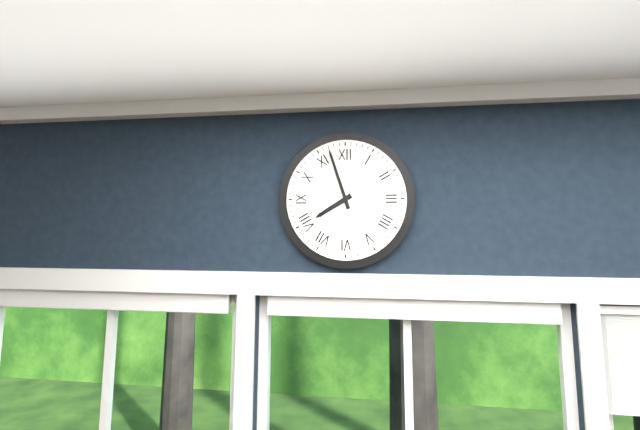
7:57
